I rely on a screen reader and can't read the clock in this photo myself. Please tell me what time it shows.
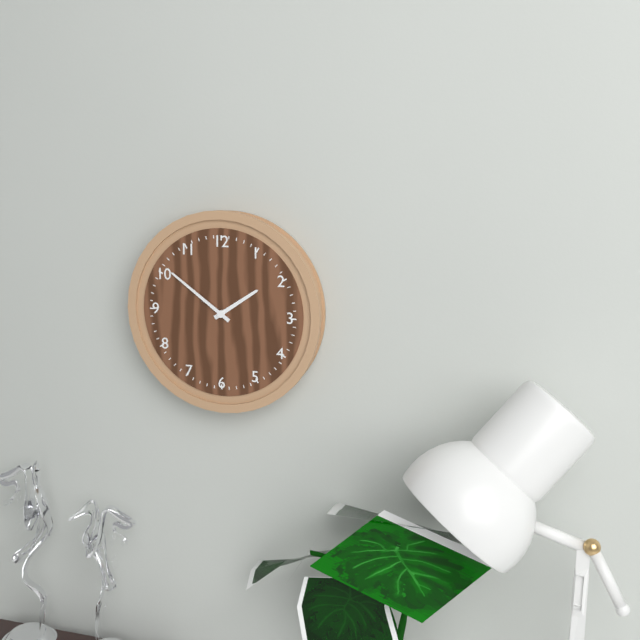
1:51
